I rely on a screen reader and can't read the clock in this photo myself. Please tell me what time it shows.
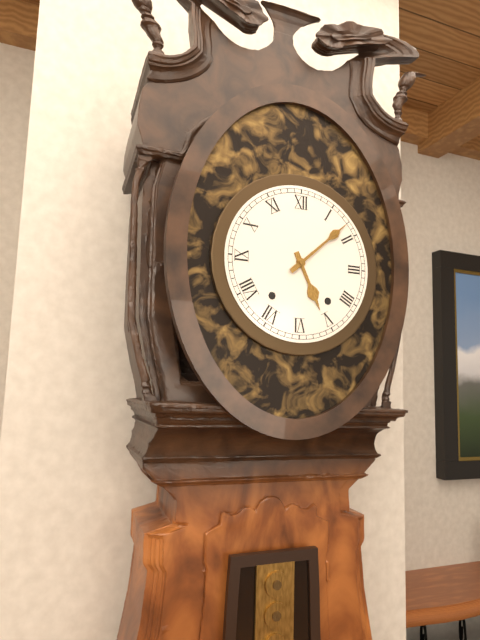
5:08
